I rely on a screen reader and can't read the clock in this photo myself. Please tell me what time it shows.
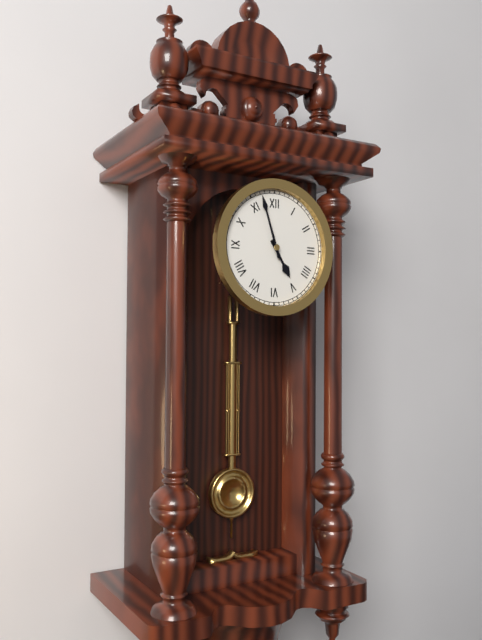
4:57
